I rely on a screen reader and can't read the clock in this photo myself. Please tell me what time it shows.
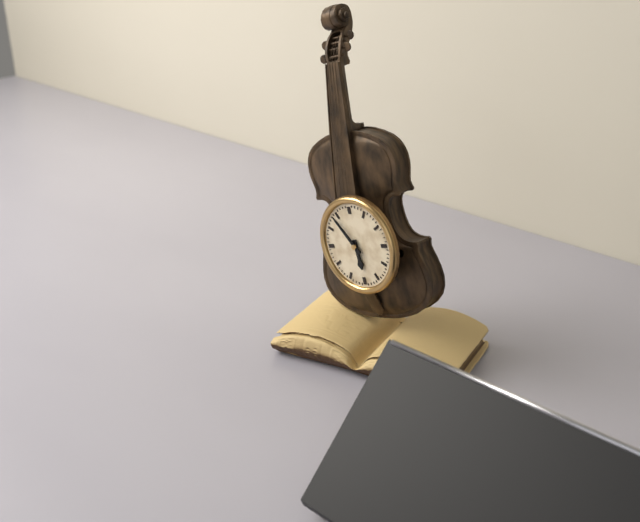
5:54
